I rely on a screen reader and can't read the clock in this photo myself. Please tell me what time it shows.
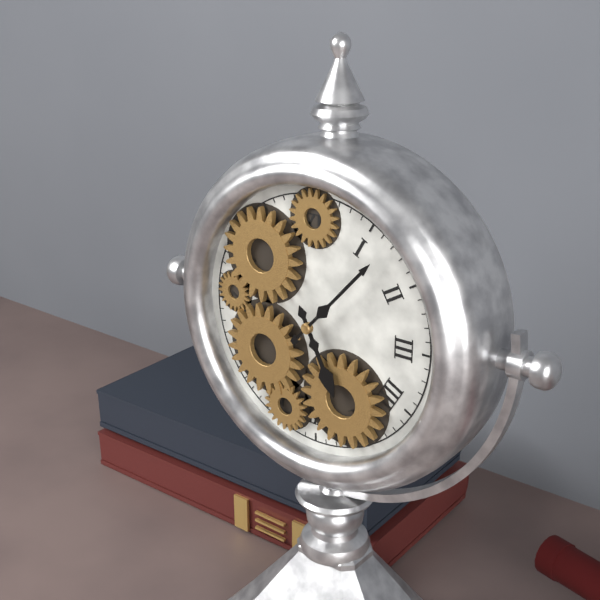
5:07
